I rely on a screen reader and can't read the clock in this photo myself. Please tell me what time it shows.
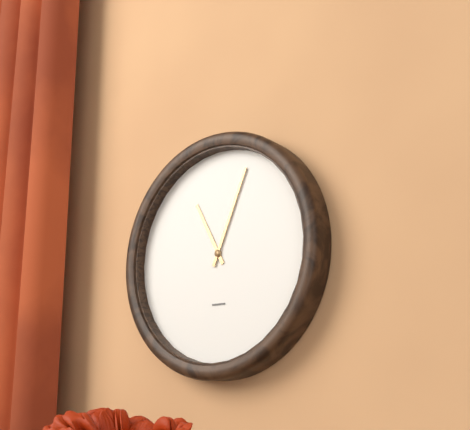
11:04
